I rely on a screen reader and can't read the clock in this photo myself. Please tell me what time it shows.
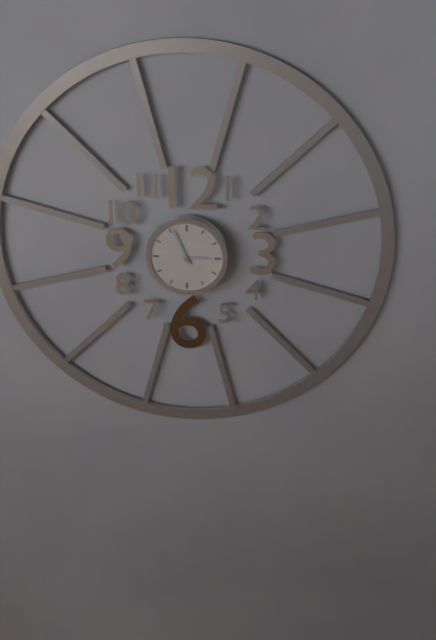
2:56
